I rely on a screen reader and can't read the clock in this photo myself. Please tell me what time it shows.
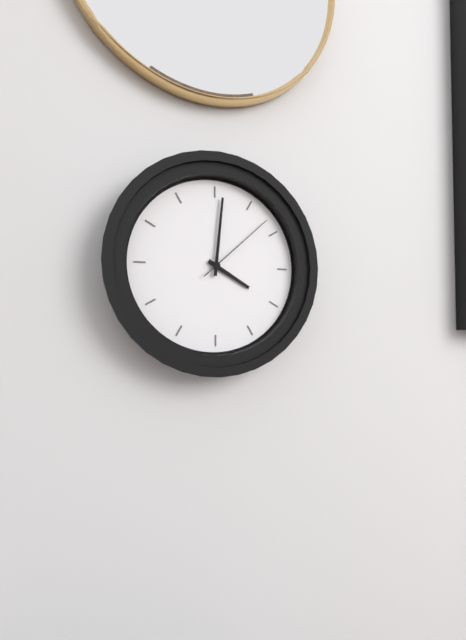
4:01:08
